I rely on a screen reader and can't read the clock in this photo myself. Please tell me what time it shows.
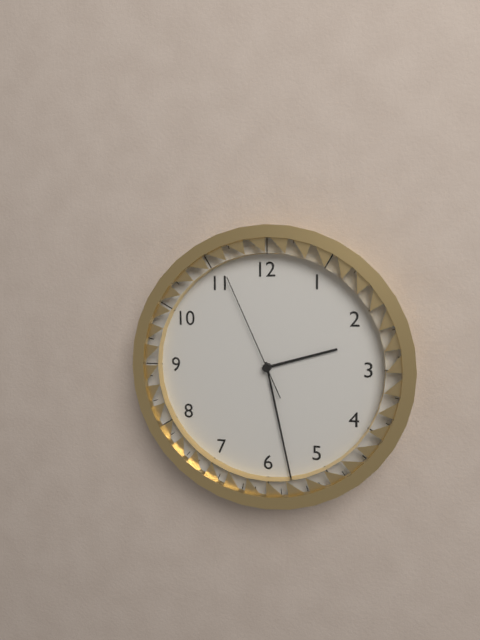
2:28:56
